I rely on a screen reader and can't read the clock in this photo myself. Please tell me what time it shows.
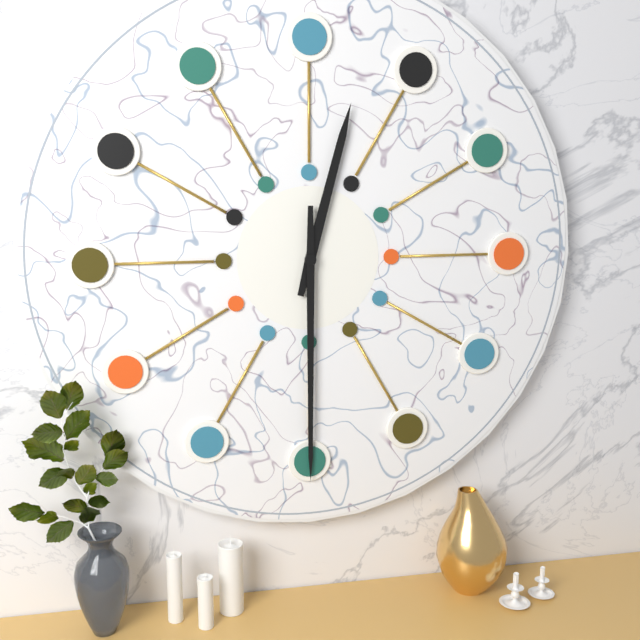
12:30
